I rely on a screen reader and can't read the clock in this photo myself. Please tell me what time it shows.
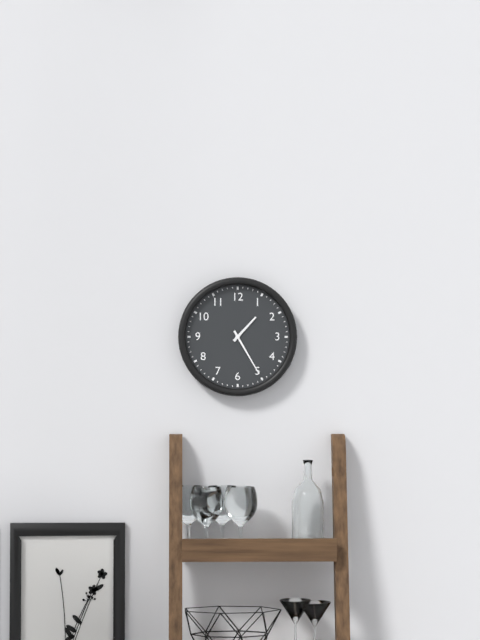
1:25
